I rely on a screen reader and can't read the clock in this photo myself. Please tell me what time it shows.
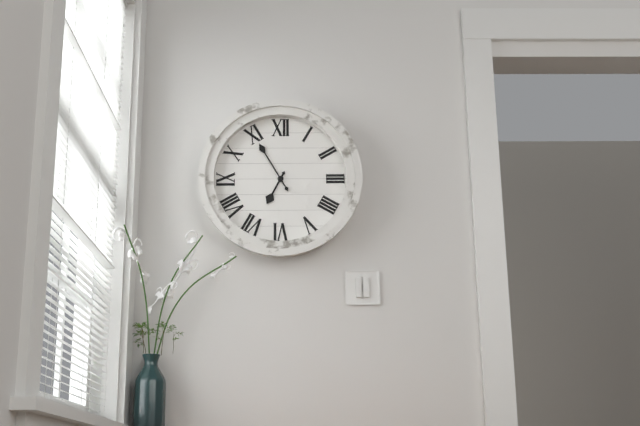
6:55
